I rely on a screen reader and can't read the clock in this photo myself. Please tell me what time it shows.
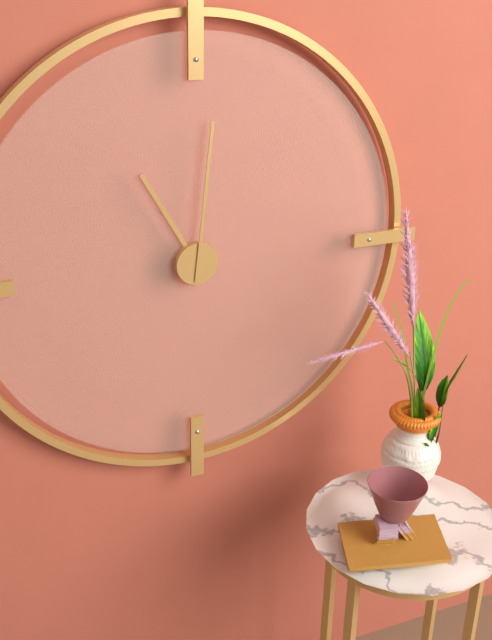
11:01
